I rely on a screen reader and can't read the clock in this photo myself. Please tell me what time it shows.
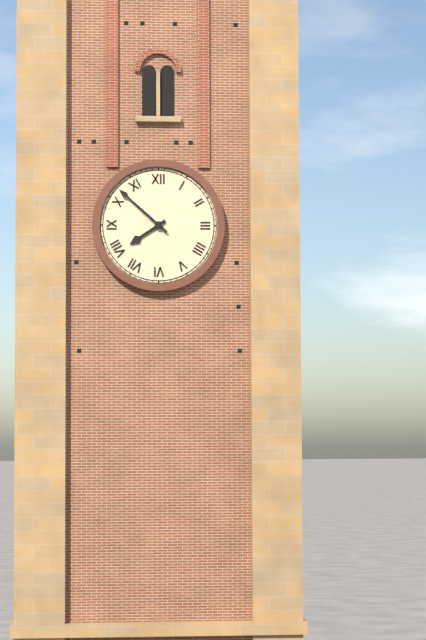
7:52
